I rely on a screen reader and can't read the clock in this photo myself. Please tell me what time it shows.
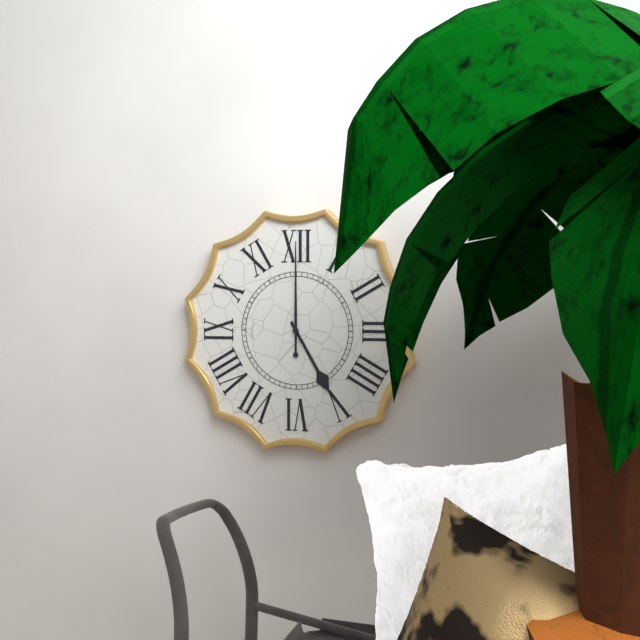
5:00
